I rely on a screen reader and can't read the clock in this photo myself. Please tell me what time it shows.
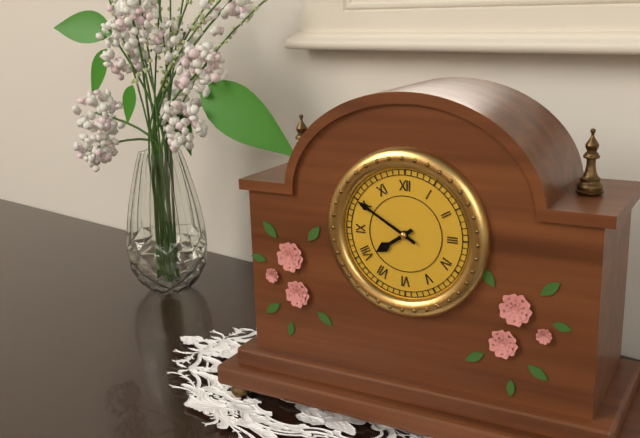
7:50
